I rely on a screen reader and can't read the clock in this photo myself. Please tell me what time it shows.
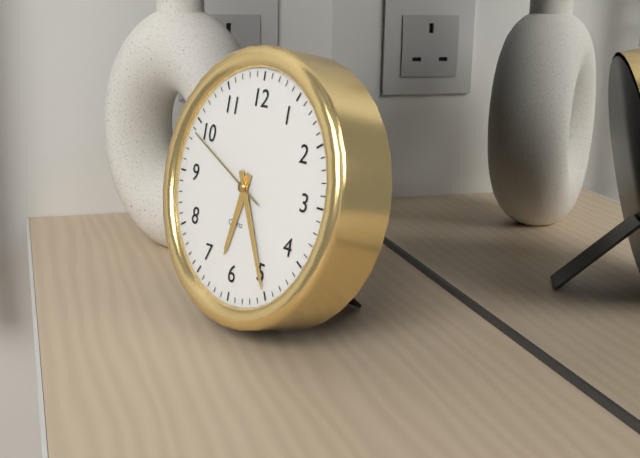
6:25:49
